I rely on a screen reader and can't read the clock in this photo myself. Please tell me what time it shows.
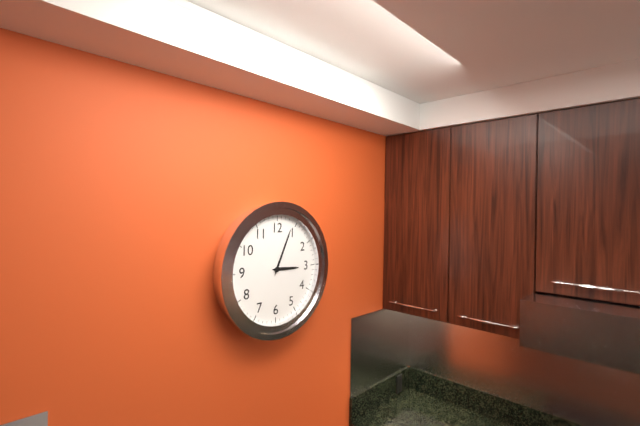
3:04
